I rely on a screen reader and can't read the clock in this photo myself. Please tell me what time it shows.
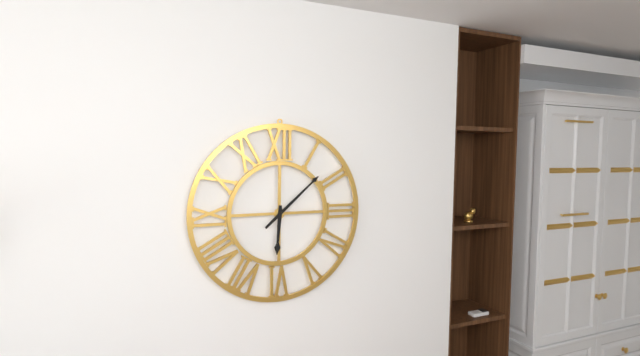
6:08
